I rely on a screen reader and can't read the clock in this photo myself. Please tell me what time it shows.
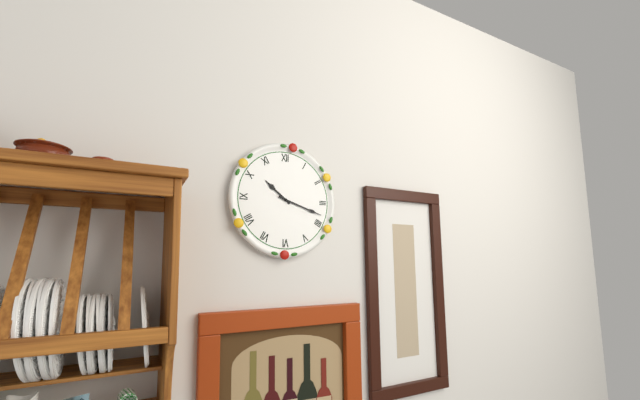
10:18
